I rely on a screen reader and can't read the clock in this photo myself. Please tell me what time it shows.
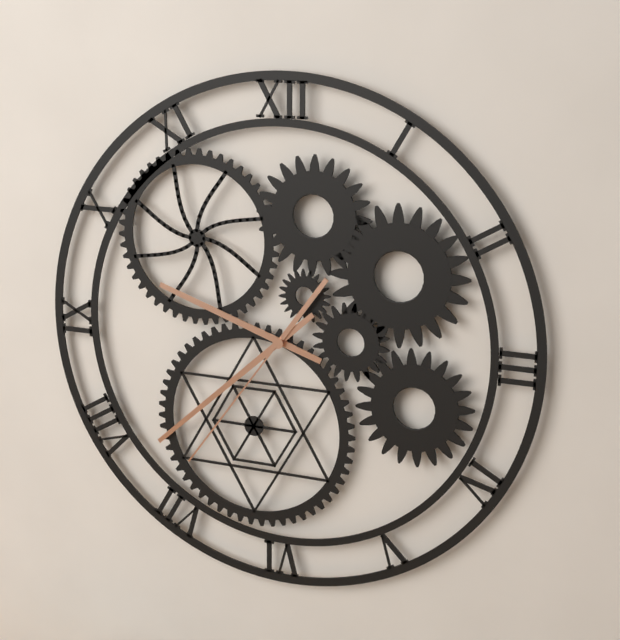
9:38:36
